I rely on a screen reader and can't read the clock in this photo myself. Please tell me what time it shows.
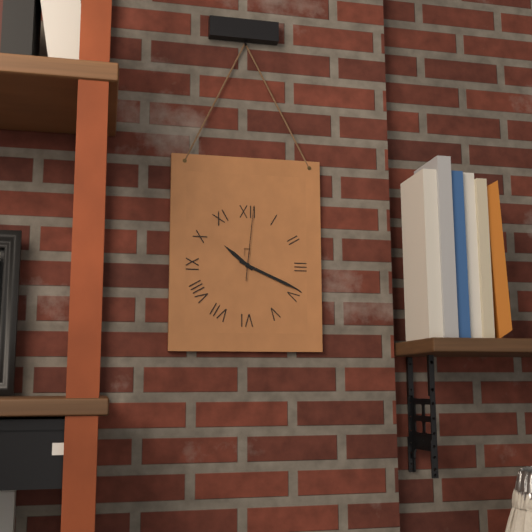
10:19:01
